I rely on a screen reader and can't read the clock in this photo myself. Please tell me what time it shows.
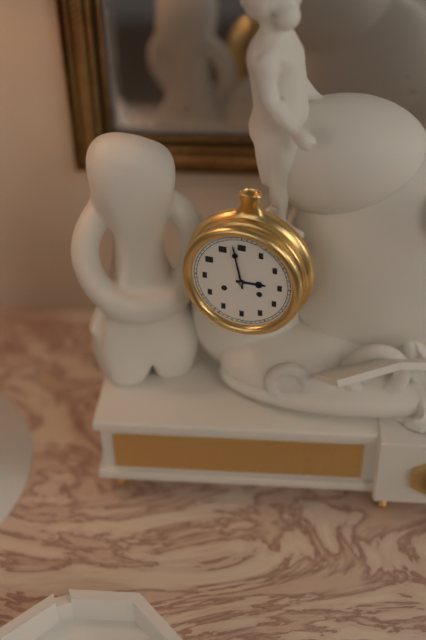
2:58
